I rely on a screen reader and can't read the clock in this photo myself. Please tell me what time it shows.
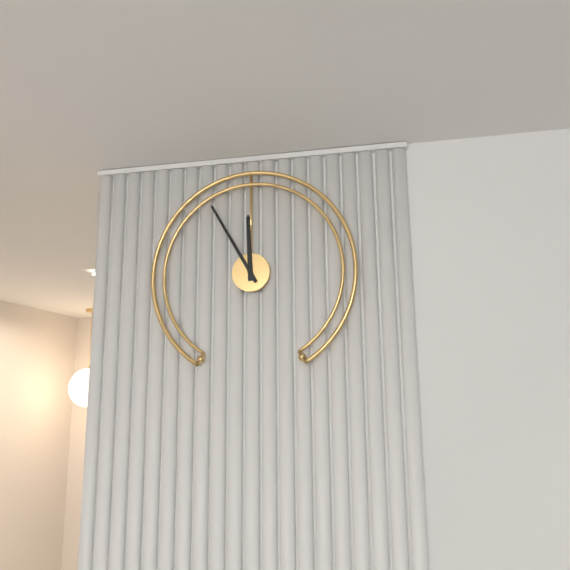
11:55
